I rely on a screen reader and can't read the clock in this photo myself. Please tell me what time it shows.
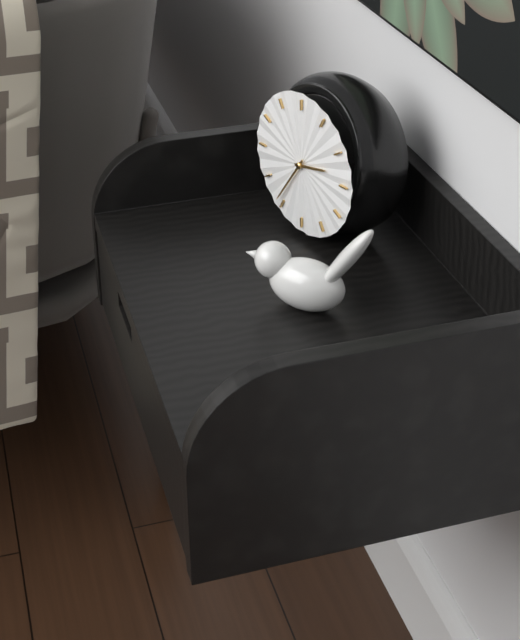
2:36
